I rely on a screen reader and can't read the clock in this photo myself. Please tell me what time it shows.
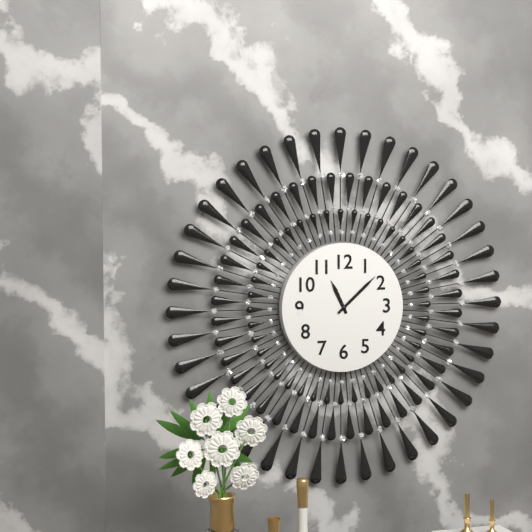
11:08
